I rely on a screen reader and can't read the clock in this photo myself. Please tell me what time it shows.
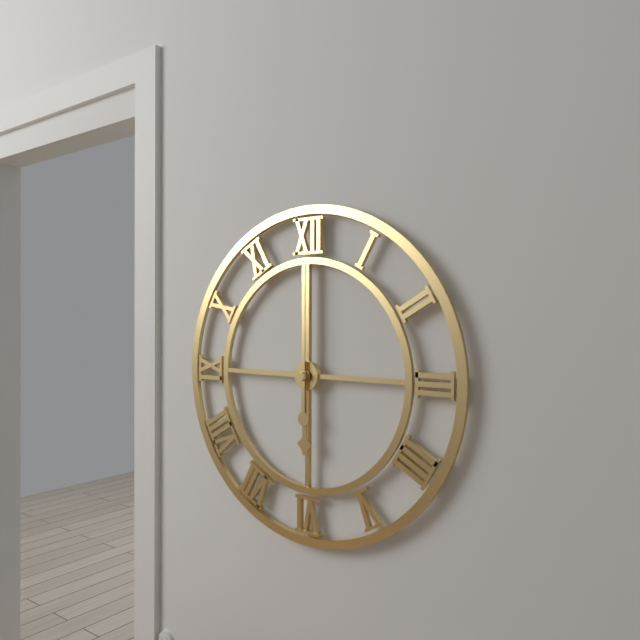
6:00
